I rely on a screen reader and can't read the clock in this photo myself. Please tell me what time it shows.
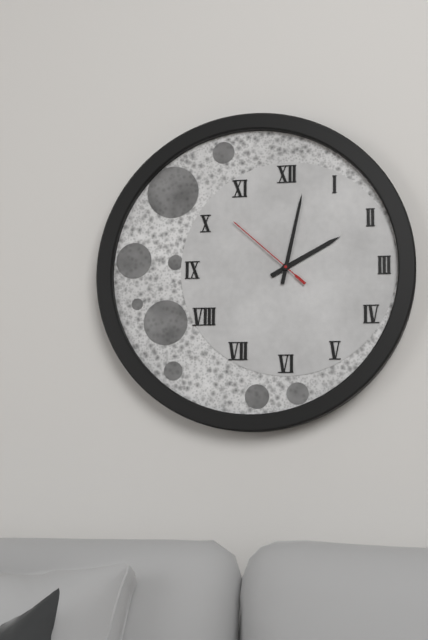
2:02:52
